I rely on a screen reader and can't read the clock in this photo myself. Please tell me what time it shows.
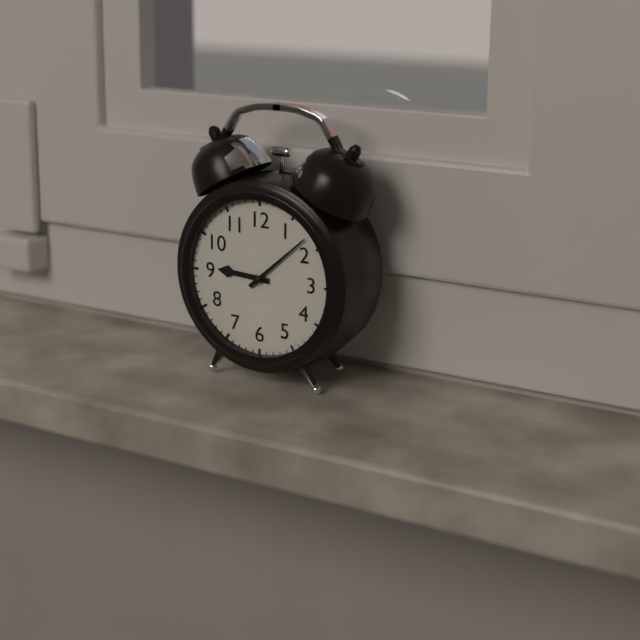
9:08
